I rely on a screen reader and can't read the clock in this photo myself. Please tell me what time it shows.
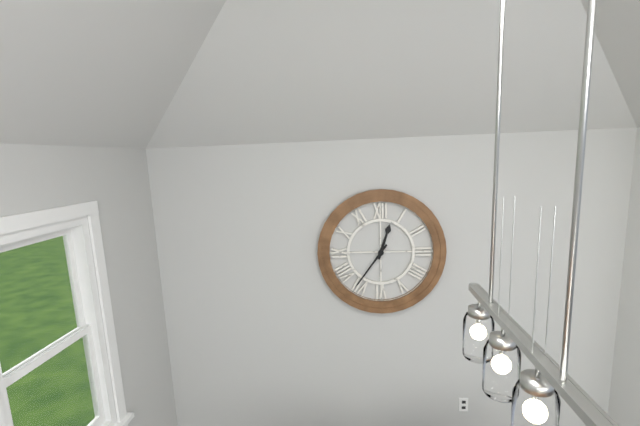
12:36
